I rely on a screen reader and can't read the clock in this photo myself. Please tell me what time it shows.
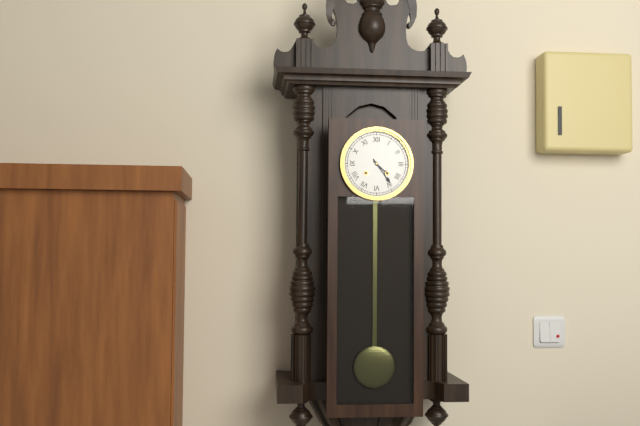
4:24
